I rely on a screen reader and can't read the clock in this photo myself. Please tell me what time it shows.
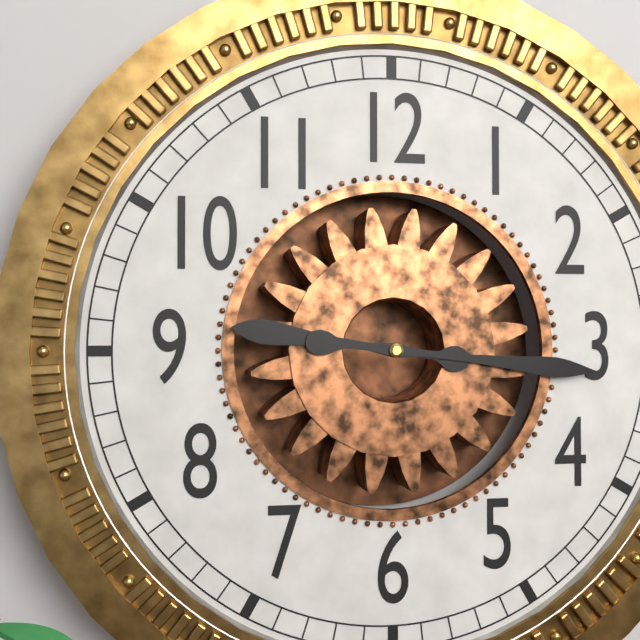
9:16
